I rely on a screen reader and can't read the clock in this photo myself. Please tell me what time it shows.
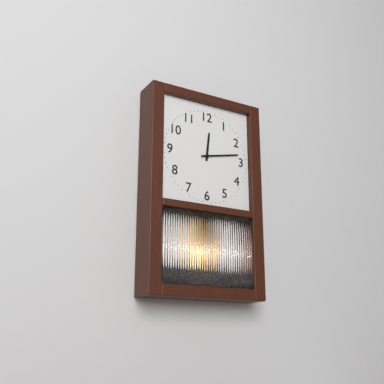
12:13
